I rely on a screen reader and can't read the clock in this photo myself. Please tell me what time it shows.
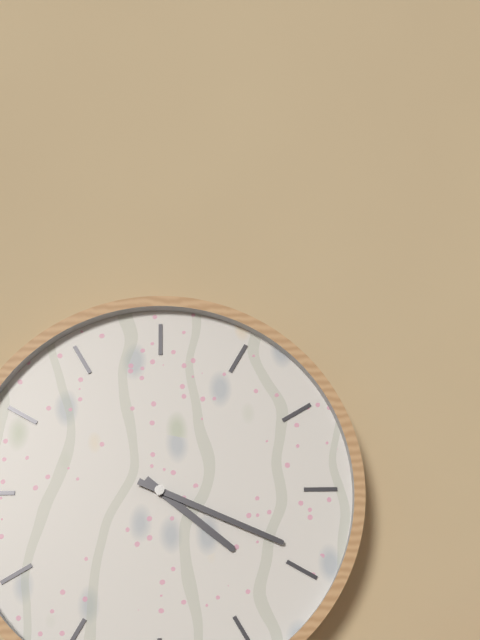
4:19
